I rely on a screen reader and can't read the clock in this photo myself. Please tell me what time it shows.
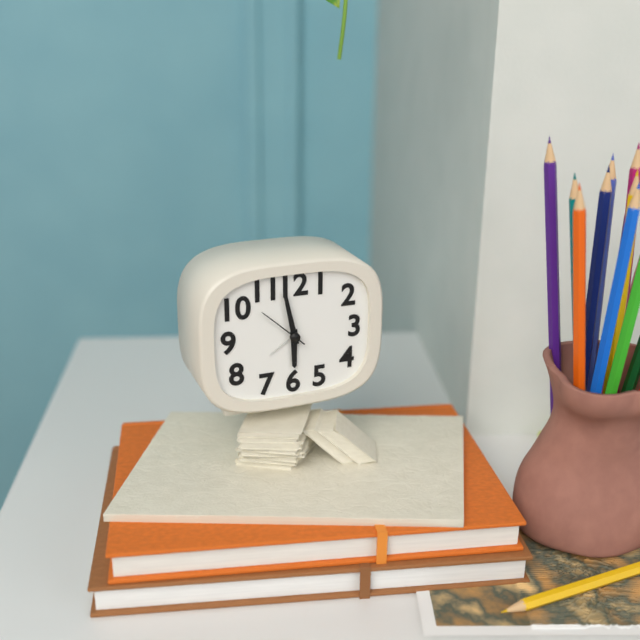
5:58:52
